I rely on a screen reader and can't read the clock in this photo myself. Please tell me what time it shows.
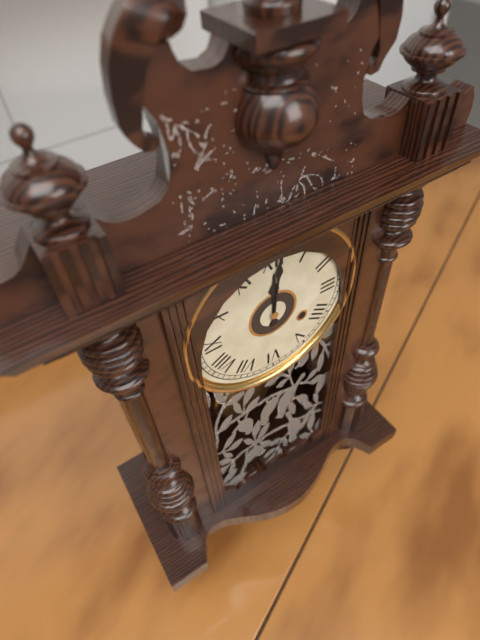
12:01
